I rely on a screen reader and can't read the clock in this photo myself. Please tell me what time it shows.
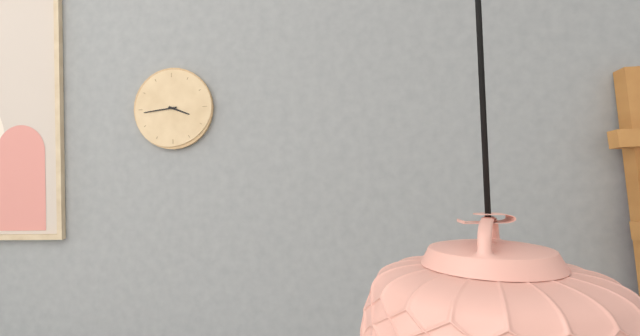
3:44
